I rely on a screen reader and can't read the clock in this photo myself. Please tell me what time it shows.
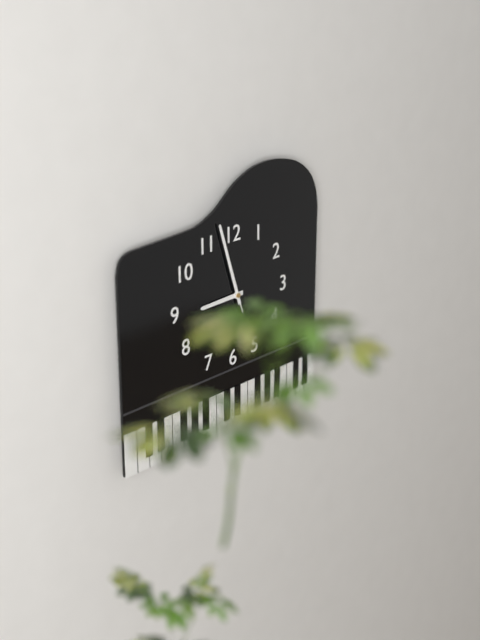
8:57:57
